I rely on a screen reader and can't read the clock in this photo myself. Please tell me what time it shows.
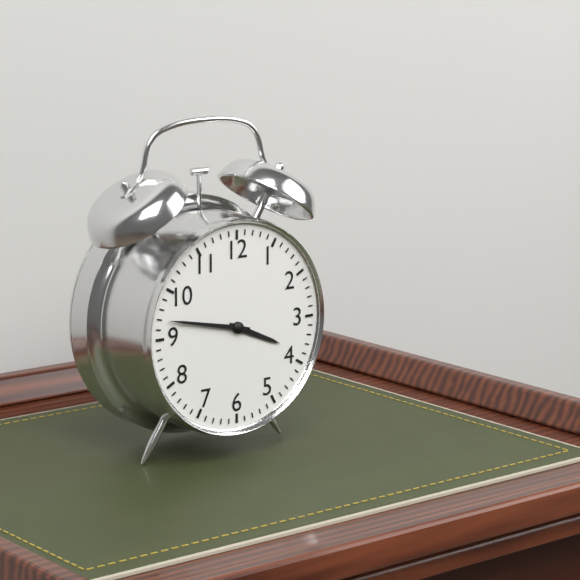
3:47
